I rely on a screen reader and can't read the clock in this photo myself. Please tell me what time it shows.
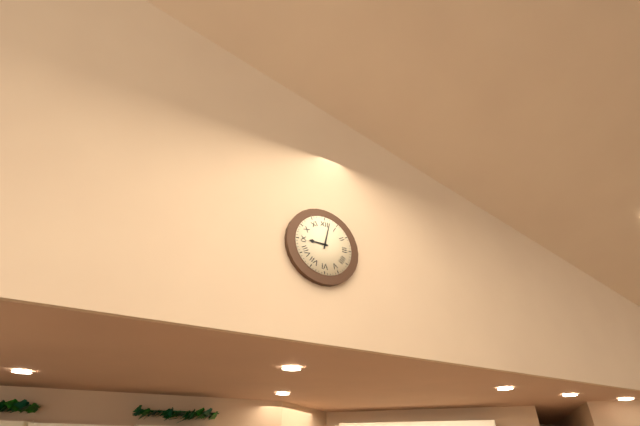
9:02
